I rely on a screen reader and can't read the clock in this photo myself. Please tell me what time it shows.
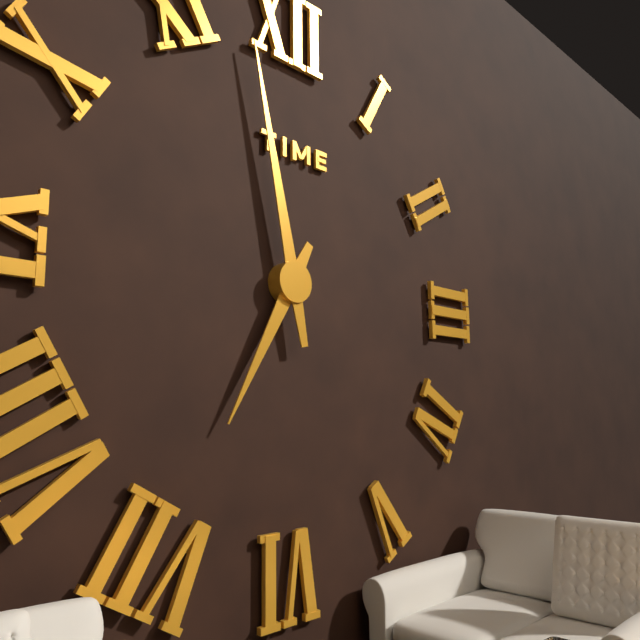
6:58
